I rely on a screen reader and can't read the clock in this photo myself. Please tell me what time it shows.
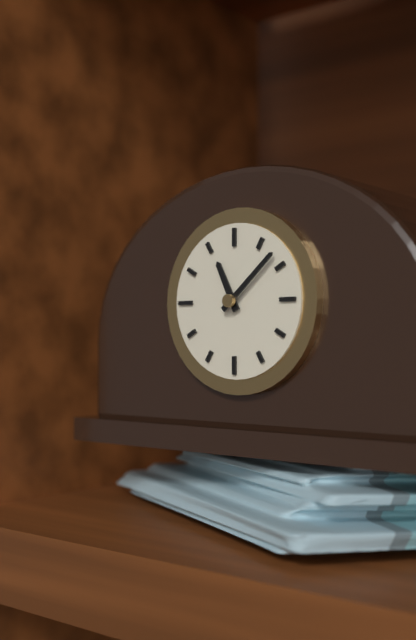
11:08
